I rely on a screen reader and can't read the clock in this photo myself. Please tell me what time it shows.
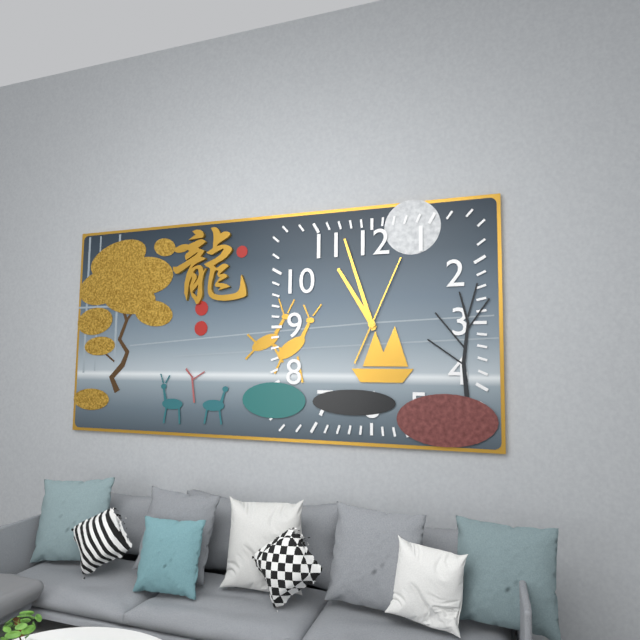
10:57:04
